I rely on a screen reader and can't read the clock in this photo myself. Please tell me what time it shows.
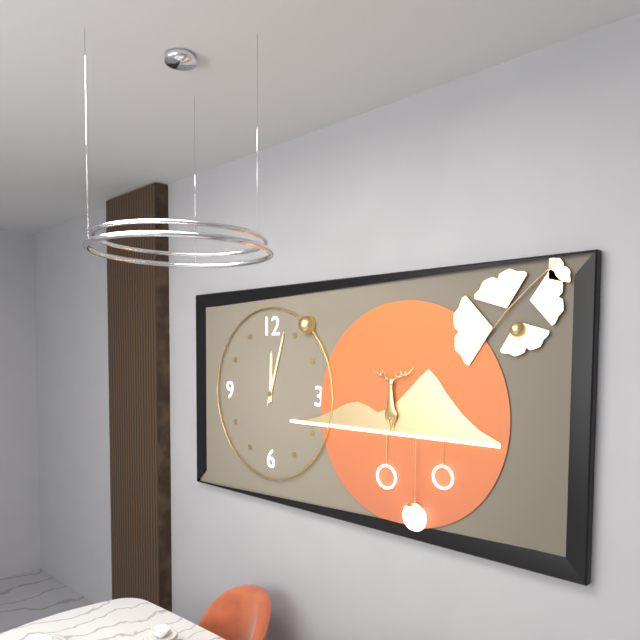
12:03:03
